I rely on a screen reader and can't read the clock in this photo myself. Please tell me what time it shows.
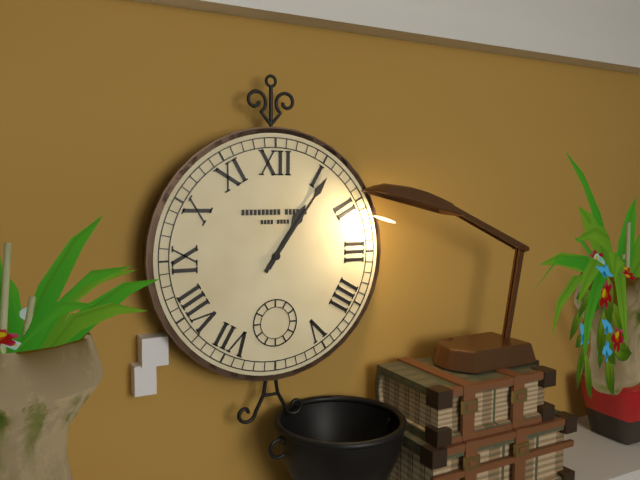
1:06
